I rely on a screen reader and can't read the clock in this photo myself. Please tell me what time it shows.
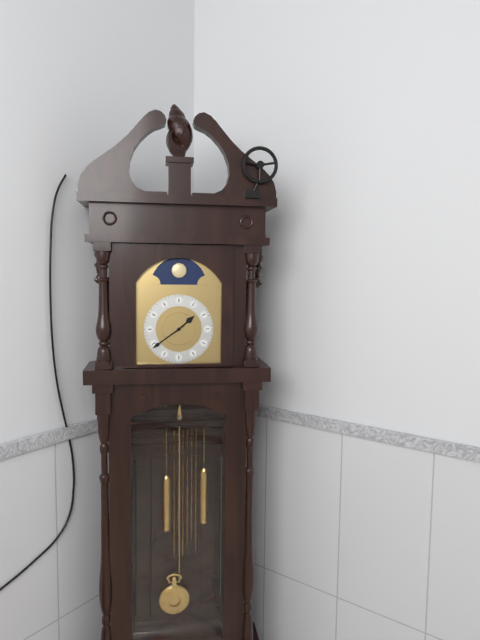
1:39
